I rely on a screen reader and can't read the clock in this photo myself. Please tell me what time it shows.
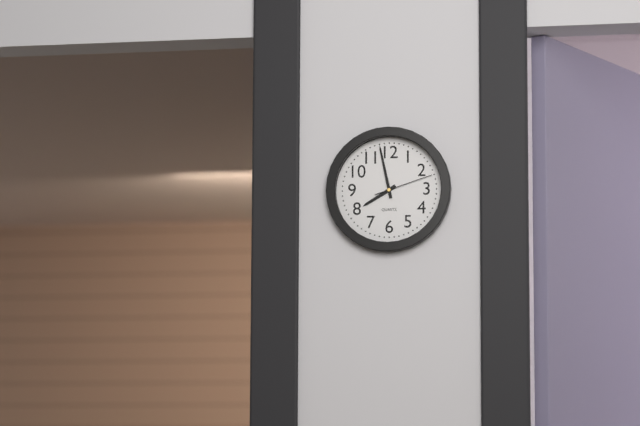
7:58:12
